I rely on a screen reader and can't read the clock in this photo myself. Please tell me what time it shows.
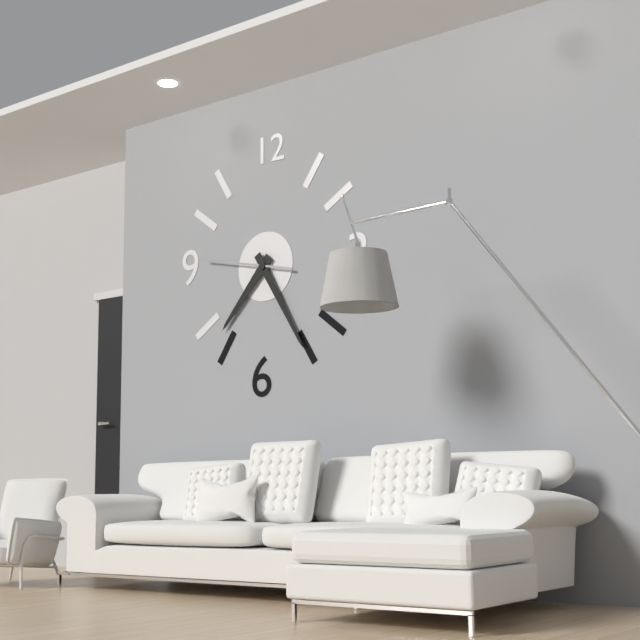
7:25:47
